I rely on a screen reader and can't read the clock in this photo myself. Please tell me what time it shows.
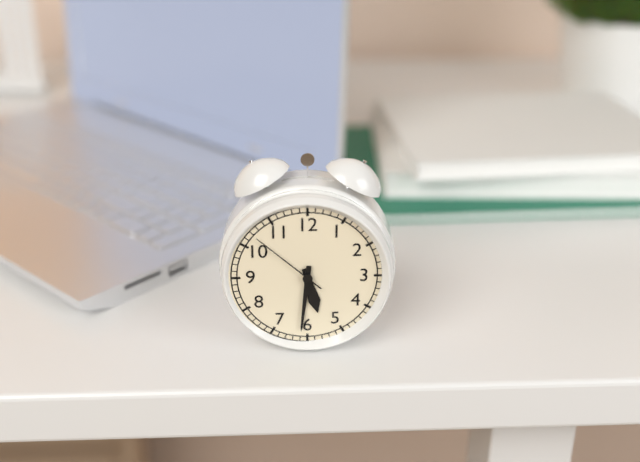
5:31:52
